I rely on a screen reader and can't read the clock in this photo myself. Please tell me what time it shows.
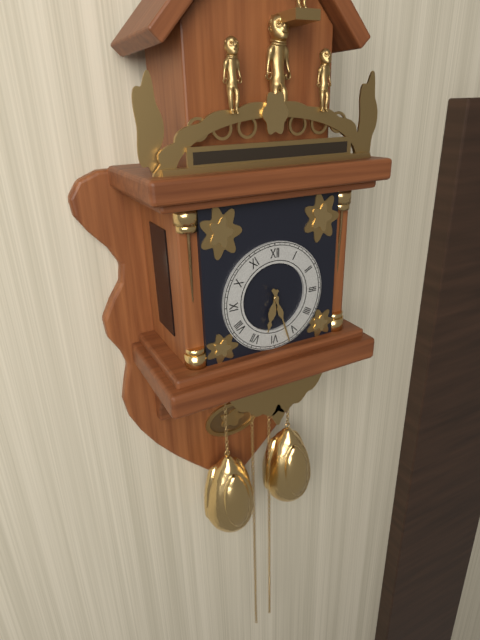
6:27
